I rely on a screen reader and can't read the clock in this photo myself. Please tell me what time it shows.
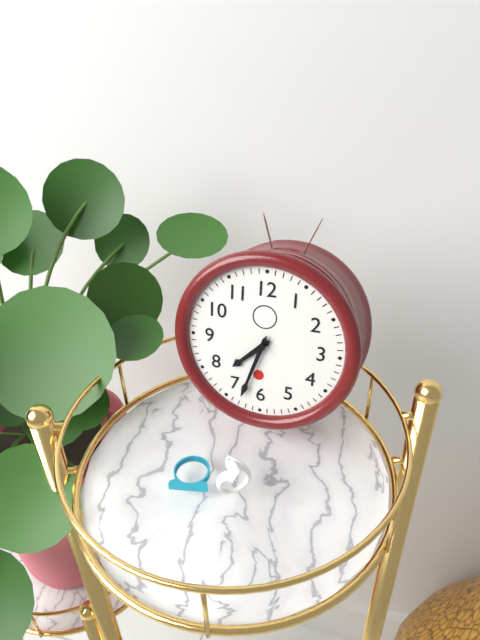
7:33
